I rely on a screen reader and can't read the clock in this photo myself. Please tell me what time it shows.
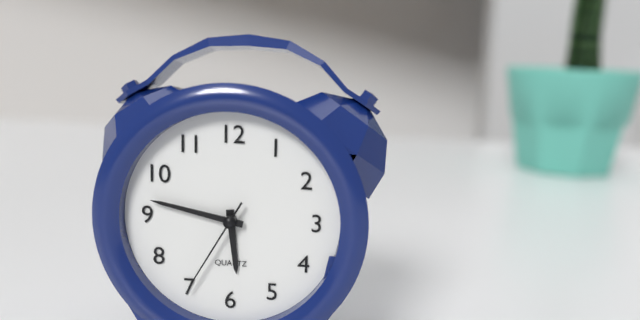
5:47:35
